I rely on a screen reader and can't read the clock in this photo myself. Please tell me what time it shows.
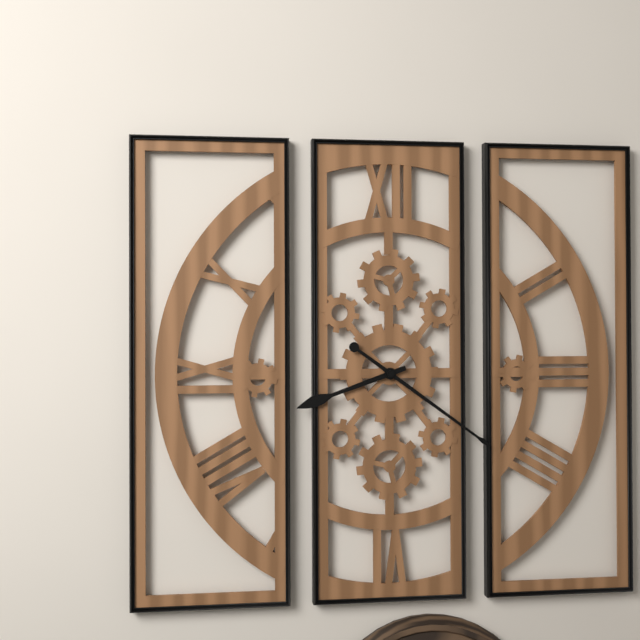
8:21
